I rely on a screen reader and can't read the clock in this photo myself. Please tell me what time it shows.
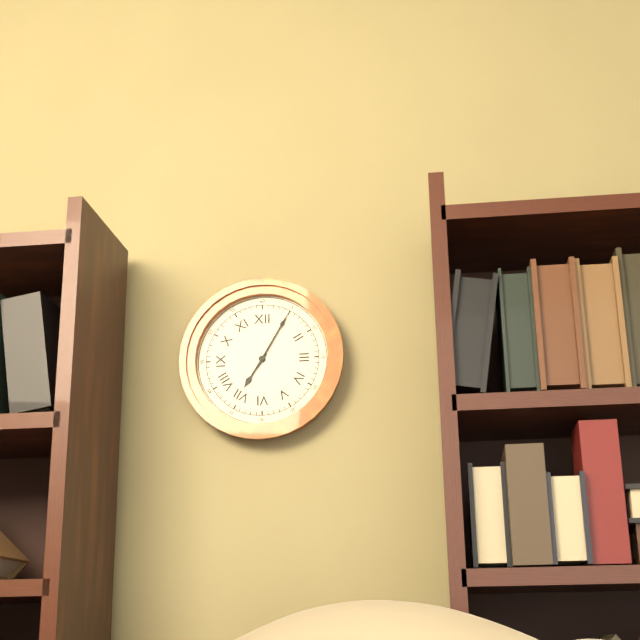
7:05
